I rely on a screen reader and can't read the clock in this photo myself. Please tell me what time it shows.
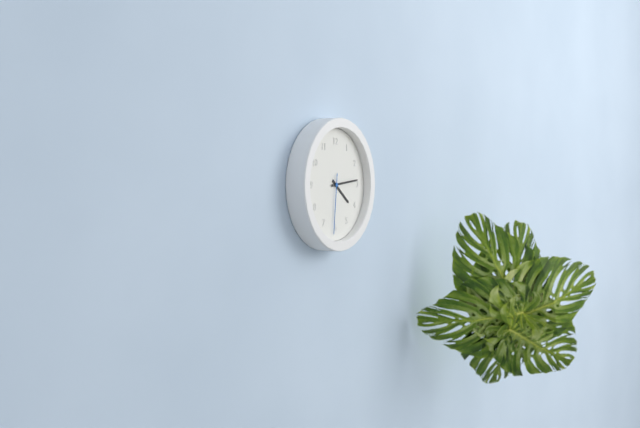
4:14:31
